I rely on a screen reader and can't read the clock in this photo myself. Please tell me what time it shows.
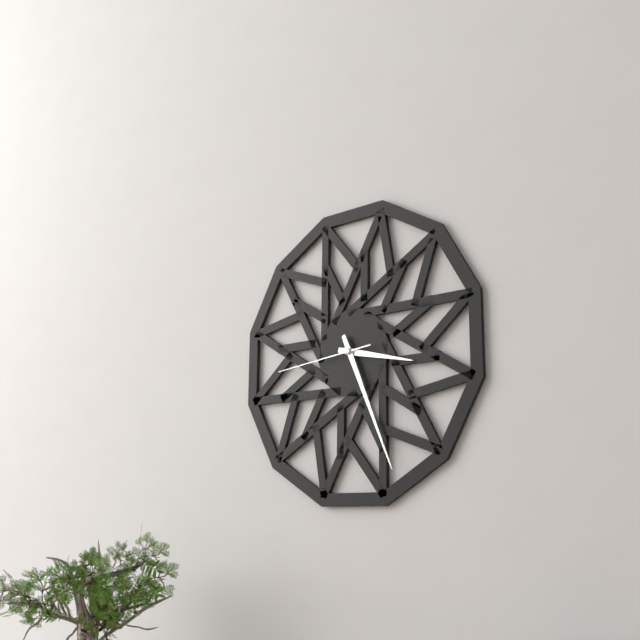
3:26:44
